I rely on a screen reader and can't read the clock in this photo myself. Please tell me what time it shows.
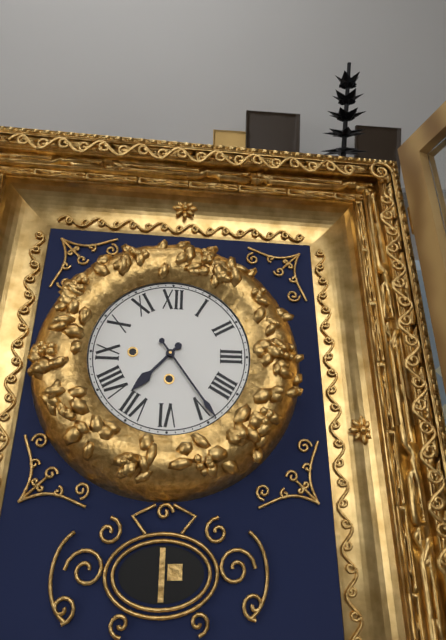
7:24
